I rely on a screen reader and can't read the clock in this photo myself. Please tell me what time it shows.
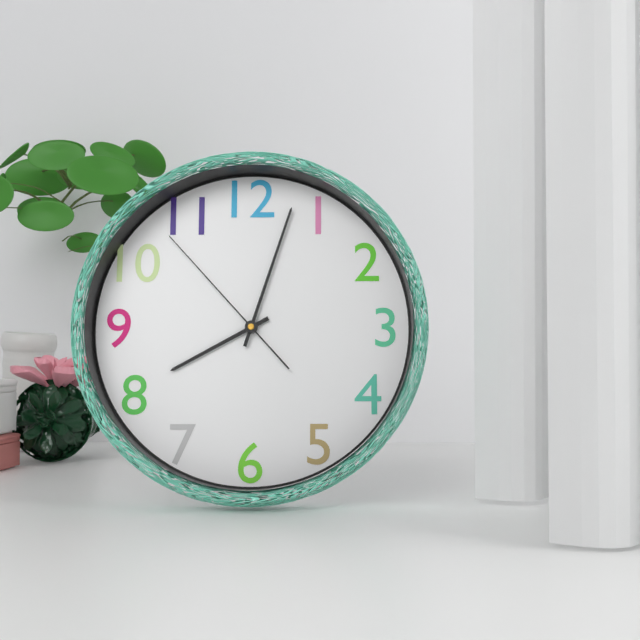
8:03:53
